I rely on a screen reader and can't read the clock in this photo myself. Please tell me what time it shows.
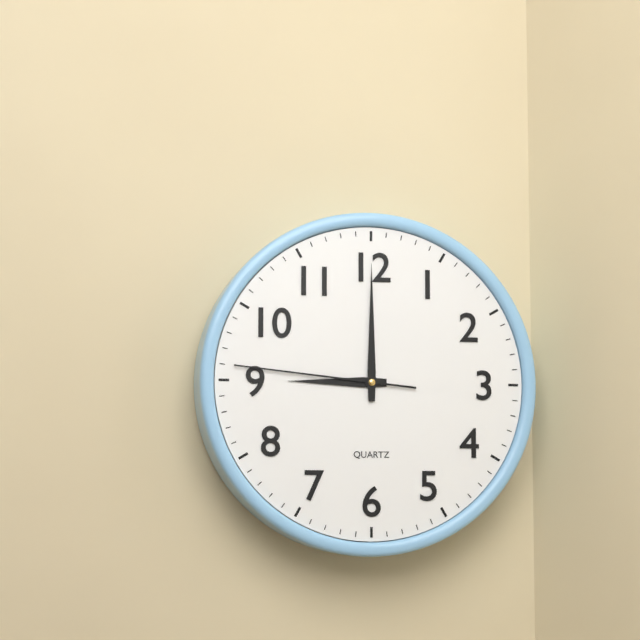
9:00:46
